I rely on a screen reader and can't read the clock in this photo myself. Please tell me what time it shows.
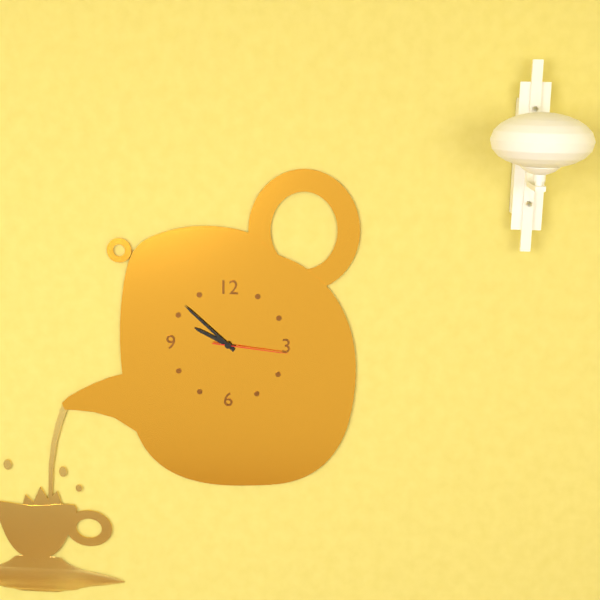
9:52:16
